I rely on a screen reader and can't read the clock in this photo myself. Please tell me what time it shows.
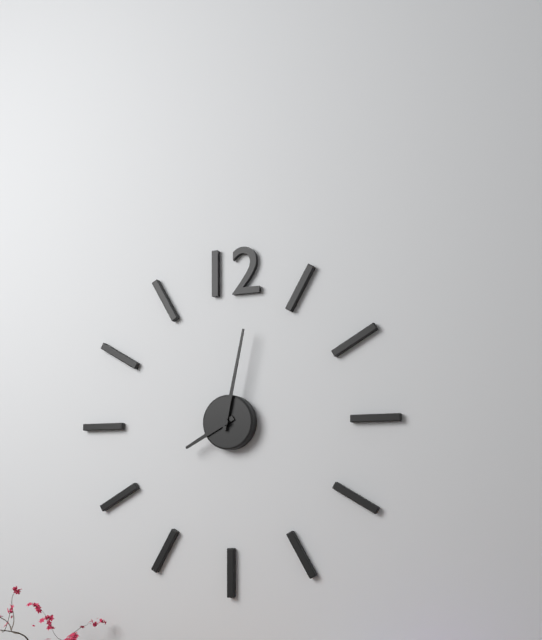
8:02
